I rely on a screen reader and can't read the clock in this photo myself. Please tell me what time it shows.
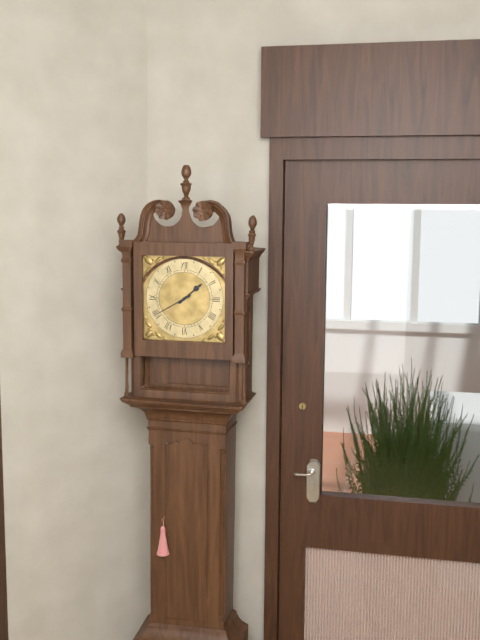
1:40
